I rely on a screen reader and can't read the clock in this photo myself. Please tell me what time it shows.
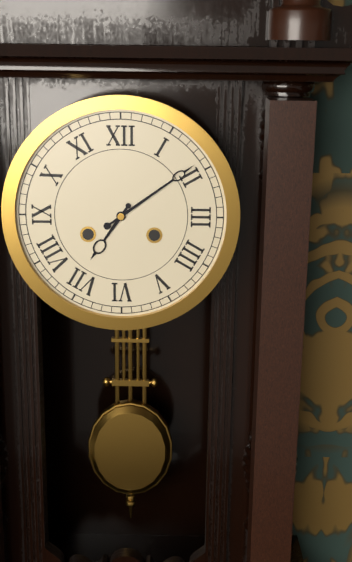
7:09
